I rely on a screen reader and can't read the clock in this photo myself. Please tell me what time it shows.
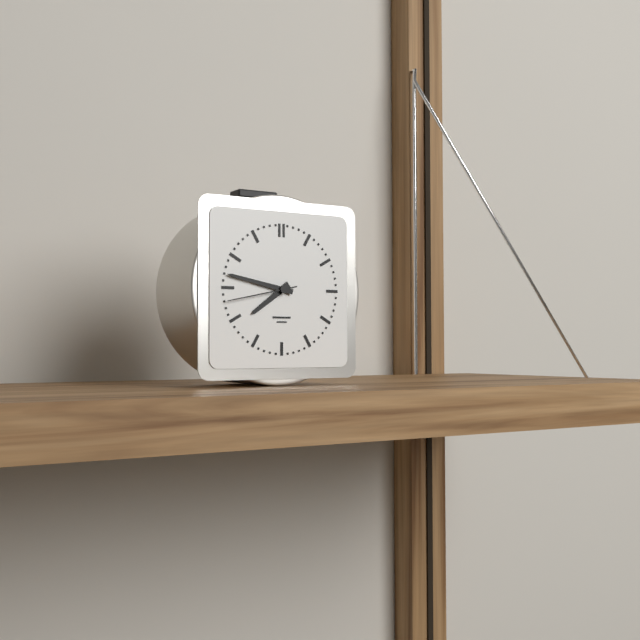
7:47:43
